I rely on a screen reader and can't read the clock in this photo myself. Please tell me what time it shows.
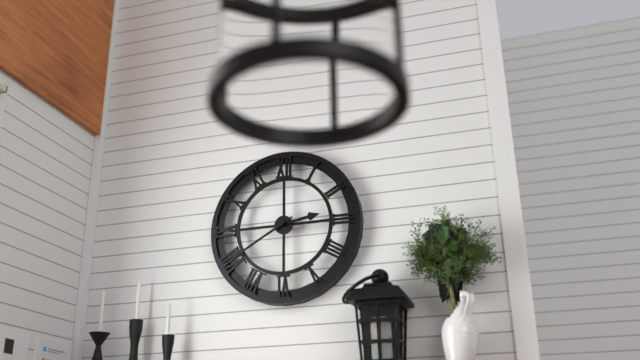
2:40
